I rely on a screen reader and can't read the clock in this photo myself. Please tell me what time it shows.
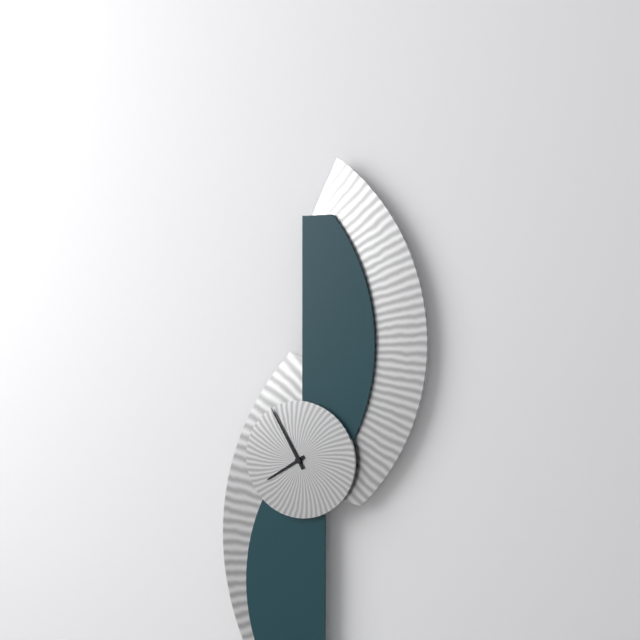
7:55
